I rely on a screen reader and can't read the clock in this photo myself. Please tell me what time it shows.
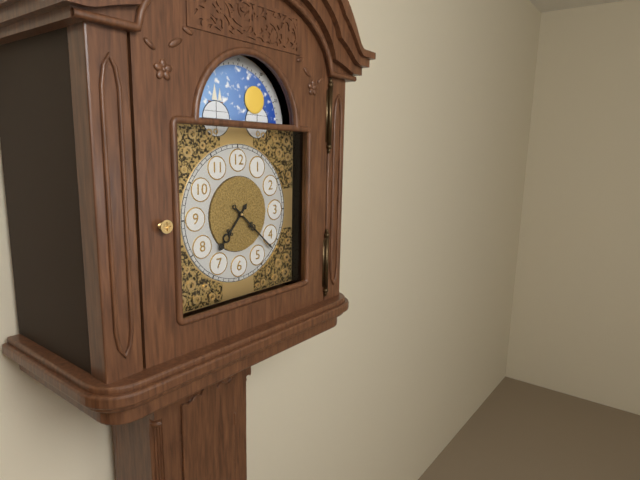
7:22
